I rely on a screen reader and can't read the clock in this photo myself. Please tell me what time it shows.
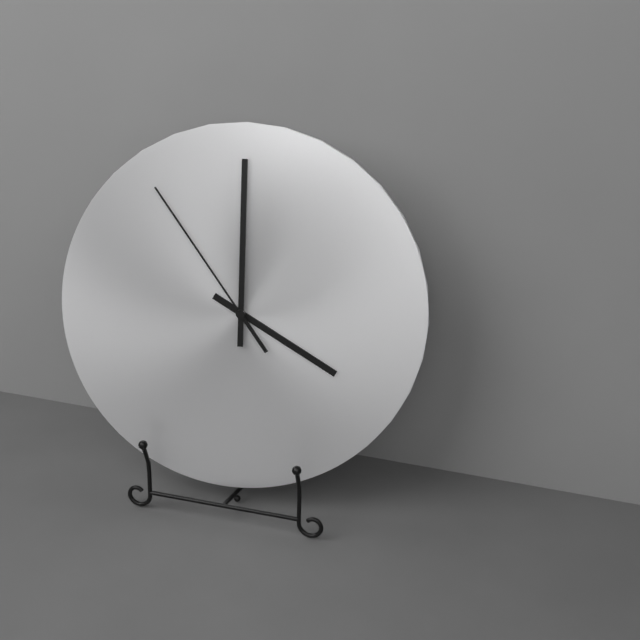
4:00:54
